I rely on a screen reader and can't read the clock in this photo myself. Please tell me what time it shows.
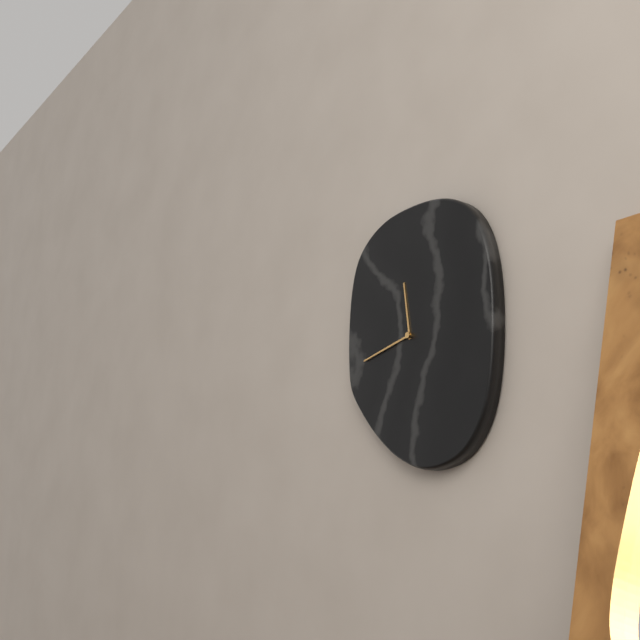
11:43
